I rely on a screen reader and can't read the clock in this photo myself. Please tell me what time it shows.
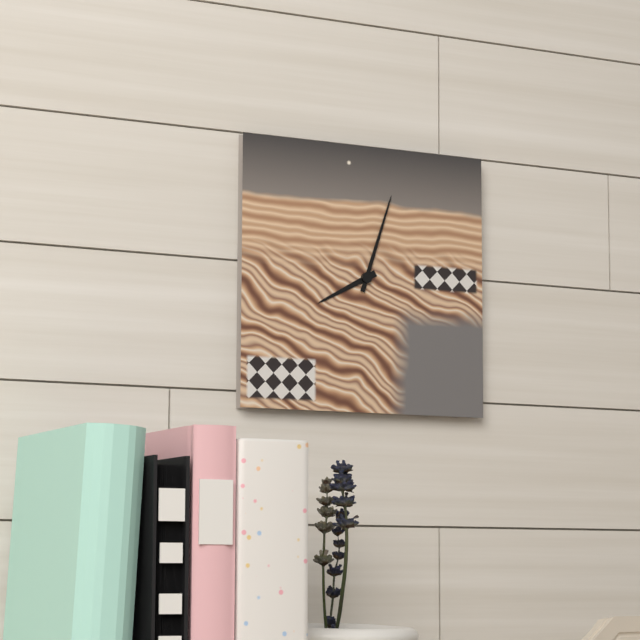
8:03
